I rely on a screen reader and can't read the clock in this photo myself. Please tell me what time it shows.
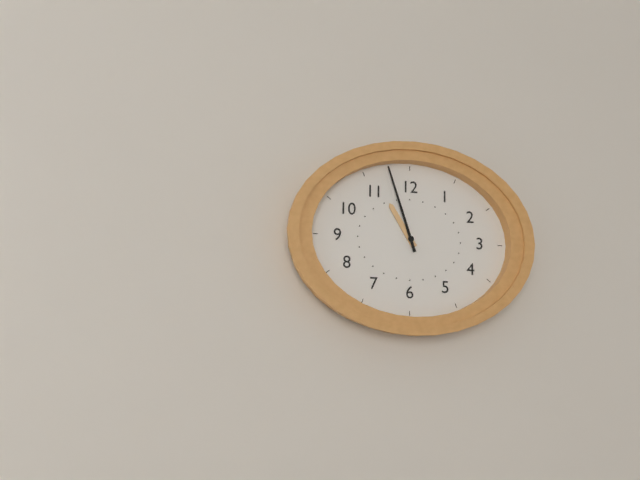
10:57
